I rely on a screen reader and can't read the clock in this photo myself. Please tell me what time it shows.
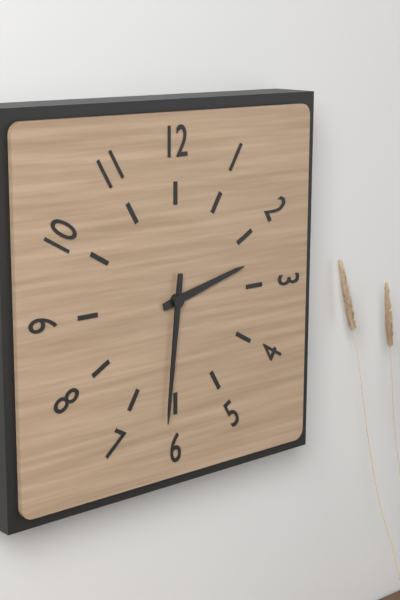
2:31
